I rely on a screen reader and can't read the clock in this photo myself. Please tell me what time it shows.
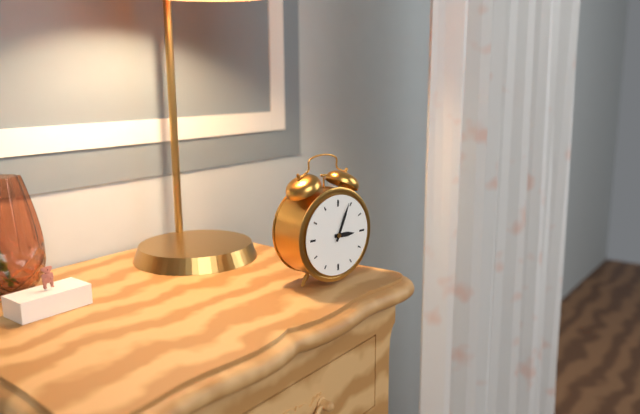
3:04
